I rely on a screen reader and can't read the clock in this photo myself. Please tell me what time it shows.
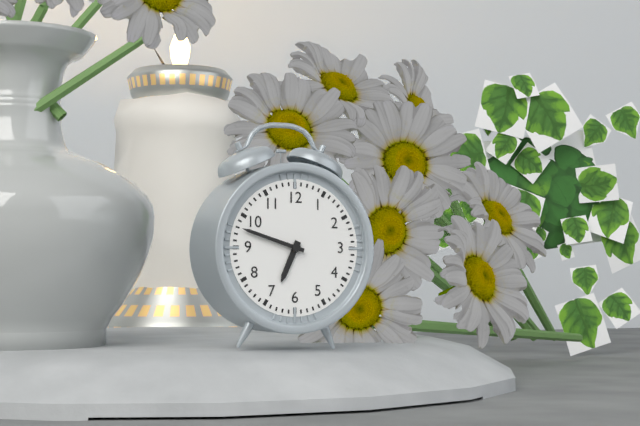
6:48
